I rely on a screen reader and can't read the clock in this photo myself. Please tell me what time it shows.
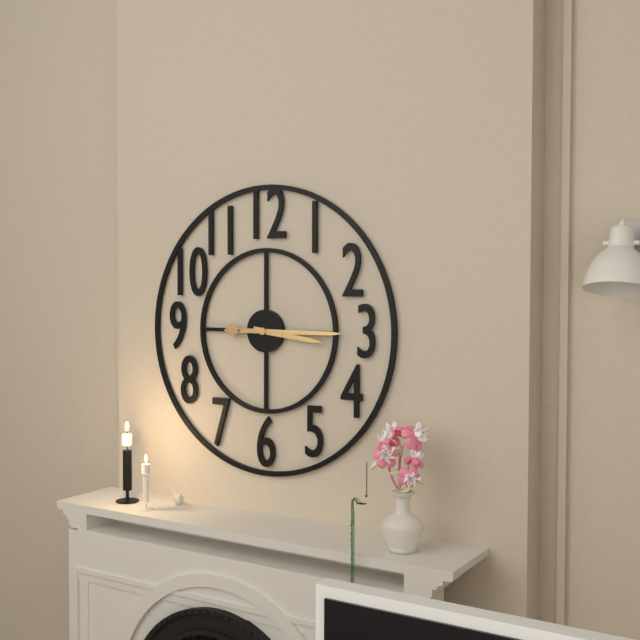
3:15
